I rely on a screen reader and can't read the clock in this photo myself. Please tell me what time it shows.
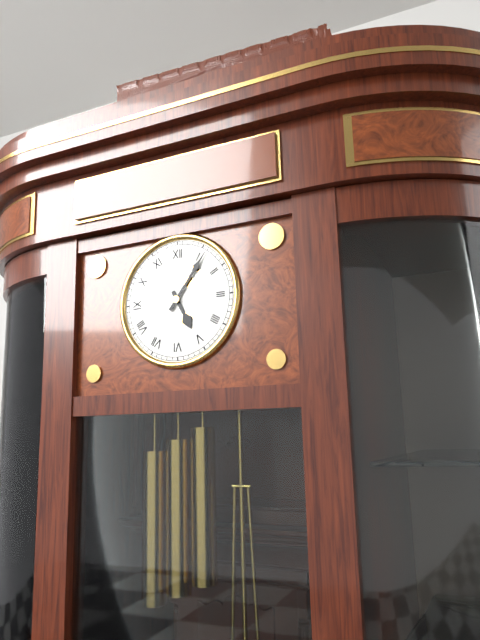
5:06
